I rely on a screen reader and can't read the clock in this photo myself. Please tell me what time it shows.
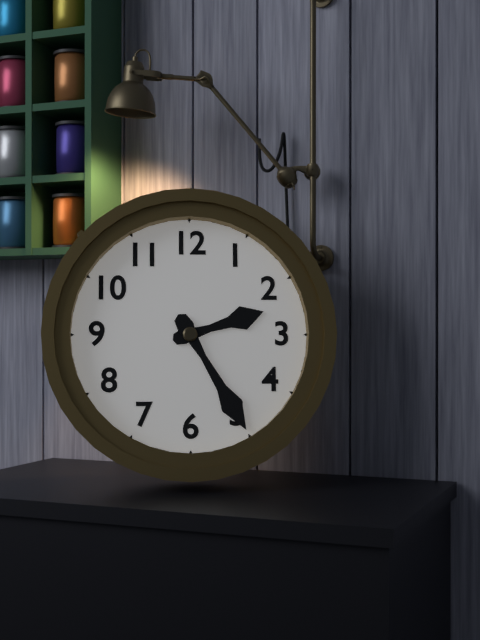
2:25
